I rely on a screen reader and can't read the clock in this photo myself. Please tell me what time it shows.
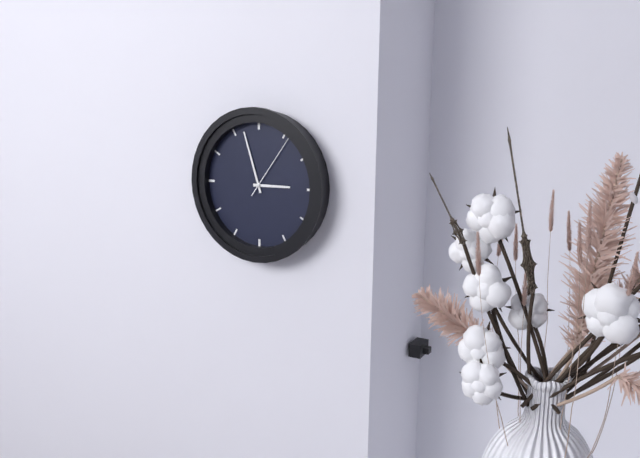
2:57:06
